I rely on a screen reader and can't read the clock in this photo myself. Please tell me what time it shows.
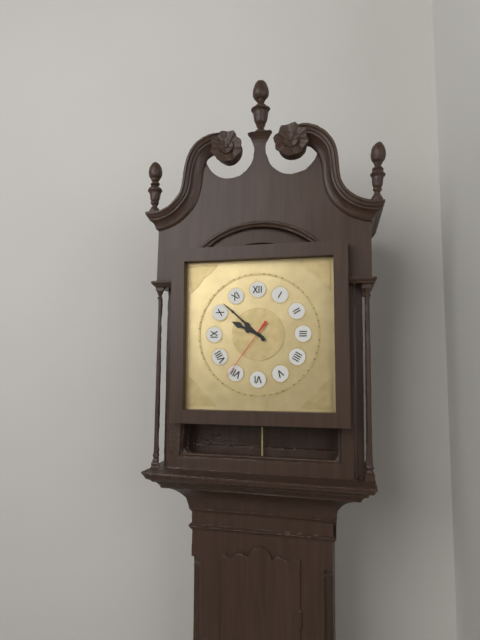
9:52:36
